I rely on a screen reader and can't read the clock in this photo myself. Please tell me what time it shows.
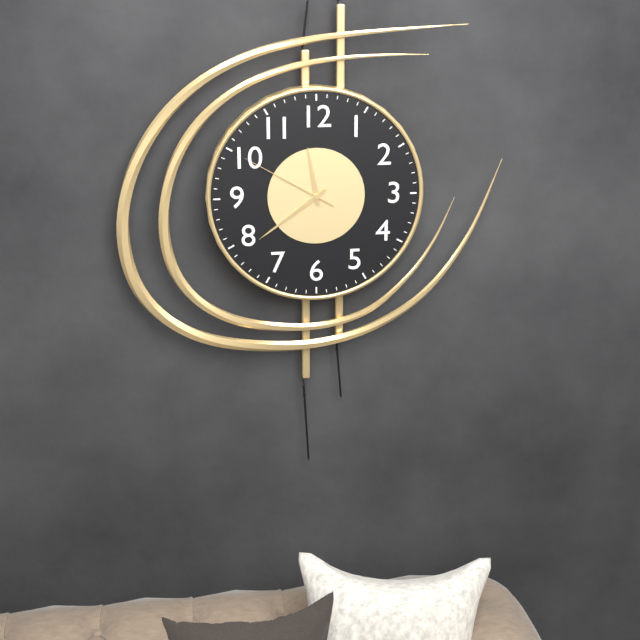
11:39:50
